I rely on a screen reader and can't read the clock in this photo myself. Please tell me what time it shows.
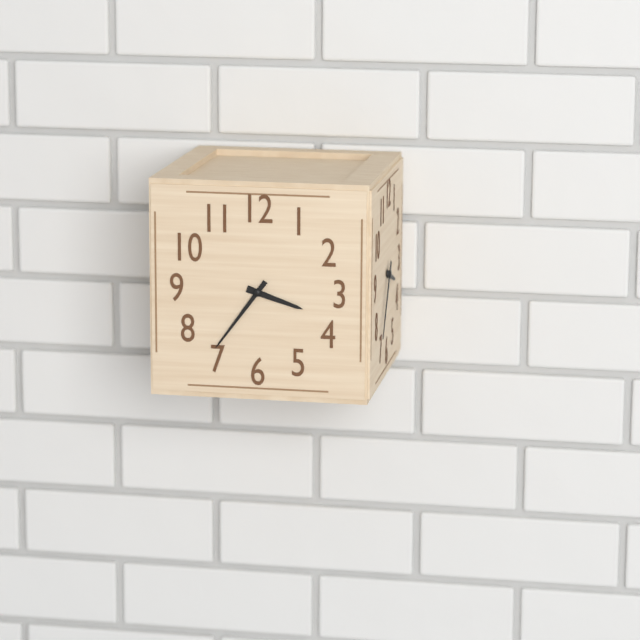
3:36
